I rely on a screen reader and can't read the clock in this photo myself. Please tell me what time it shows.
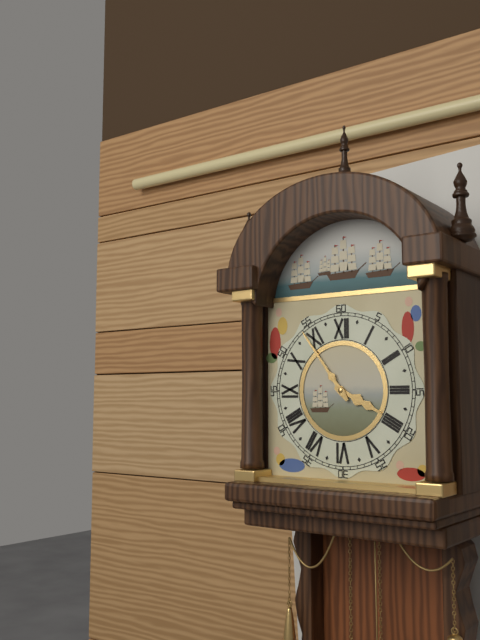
3:54
